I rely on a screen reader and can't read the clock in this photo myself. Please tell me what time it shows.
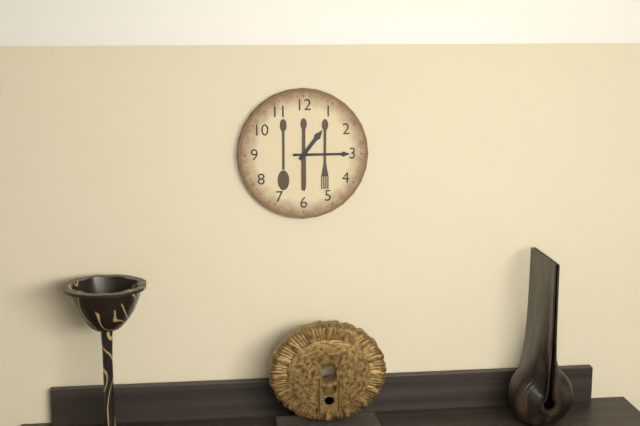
1:15
